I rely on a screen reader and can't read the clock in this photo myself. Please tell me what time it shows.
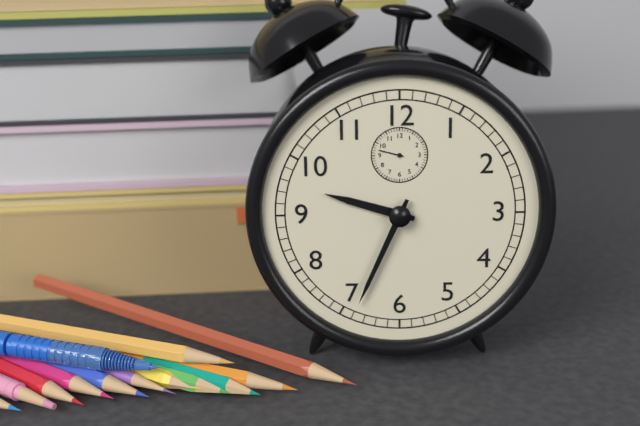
9:34
